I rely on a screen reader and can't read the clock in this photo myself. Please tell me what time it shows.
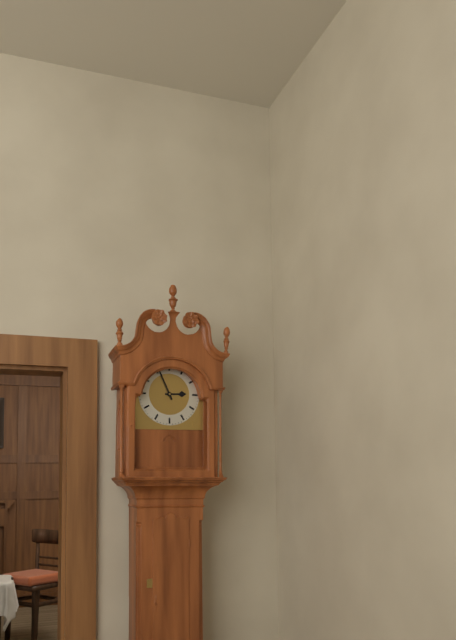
2:56
